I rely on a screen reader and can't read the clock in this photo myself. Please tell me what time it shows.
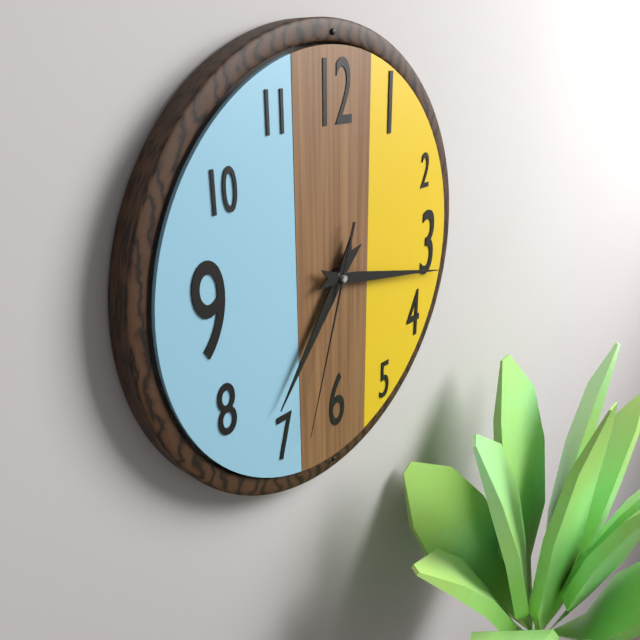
7:17:33
